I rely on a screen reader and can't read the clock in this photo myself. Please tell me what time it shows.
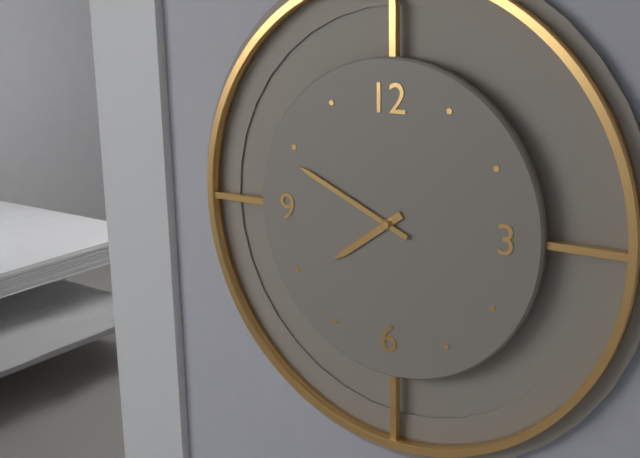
7:49
